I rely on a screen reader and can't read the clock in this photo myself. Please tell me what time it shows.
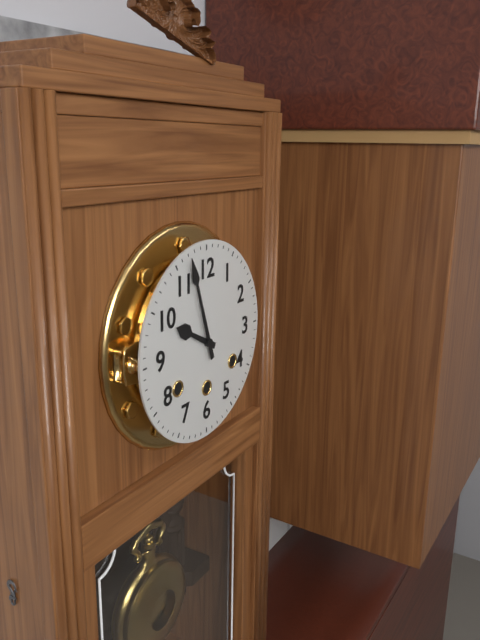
9:57
